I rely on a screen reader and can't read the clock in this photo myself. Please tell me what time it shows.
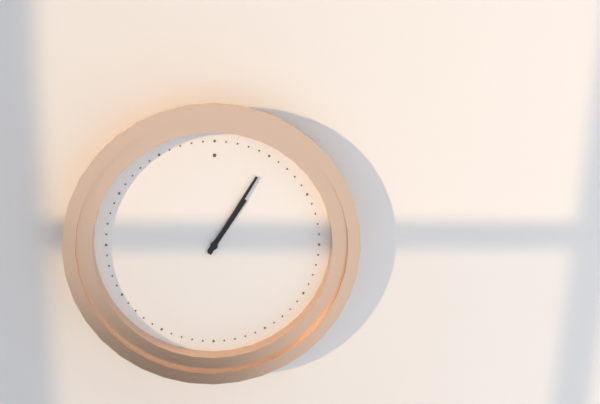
1:05
